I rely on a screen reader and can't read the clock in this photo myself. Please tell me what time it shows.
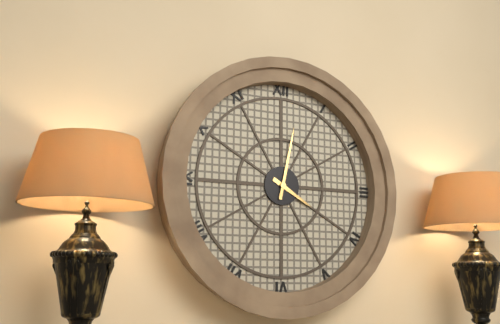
4:02
